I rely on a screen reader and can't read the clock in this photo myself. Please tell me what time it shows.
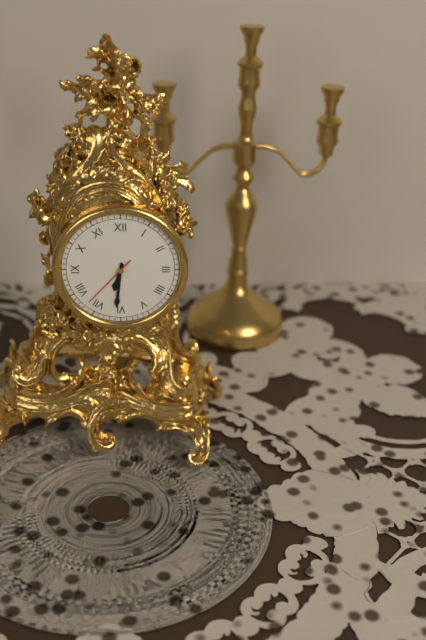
6:31:37
